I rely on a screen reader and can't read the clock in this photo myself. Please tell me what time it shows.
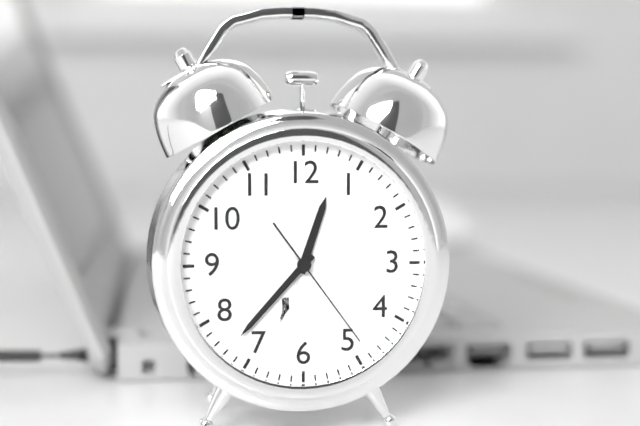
12:37:24
